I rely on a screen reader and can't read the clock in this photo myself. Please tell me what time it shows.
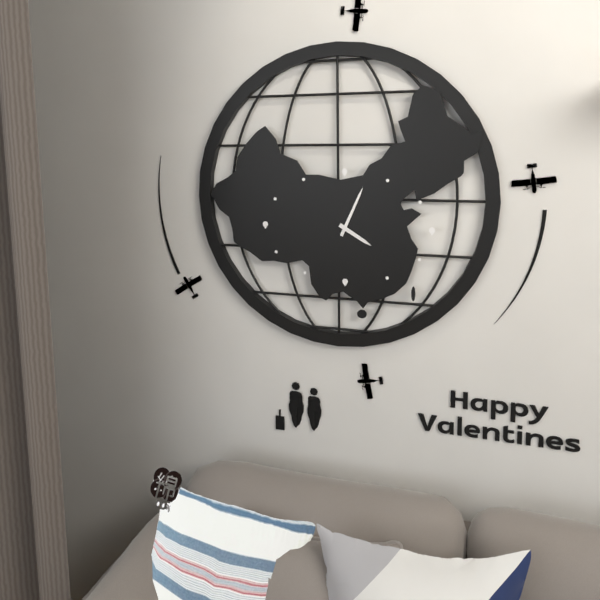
4:04
